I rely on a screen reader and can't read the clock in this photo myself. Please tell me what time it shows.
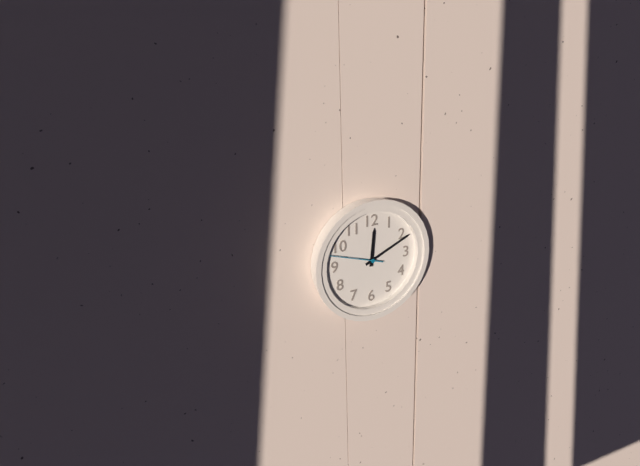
12:11:48
